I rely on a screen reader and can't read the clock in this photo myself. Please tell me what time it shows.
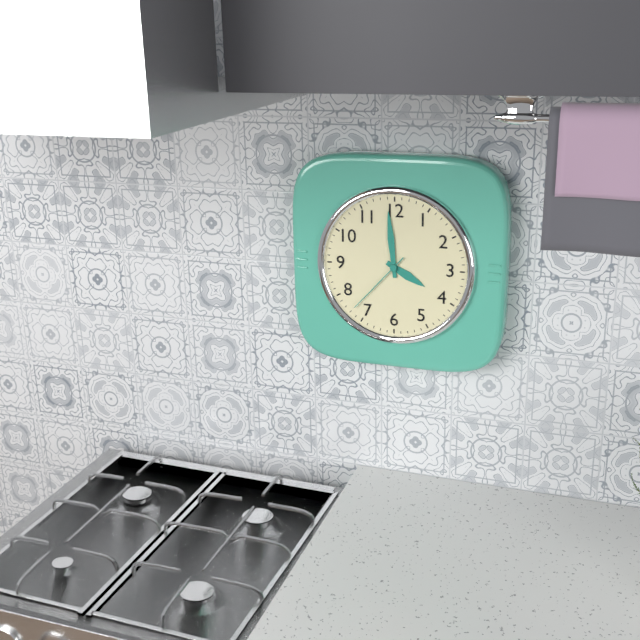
3:59:37
